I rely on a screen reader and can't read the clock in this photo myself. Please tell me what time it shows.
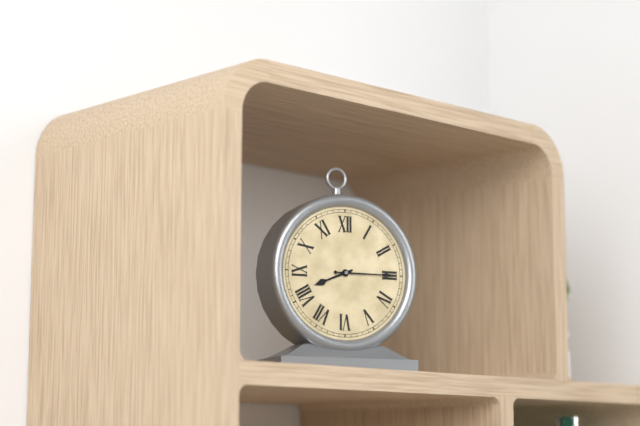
8:15
